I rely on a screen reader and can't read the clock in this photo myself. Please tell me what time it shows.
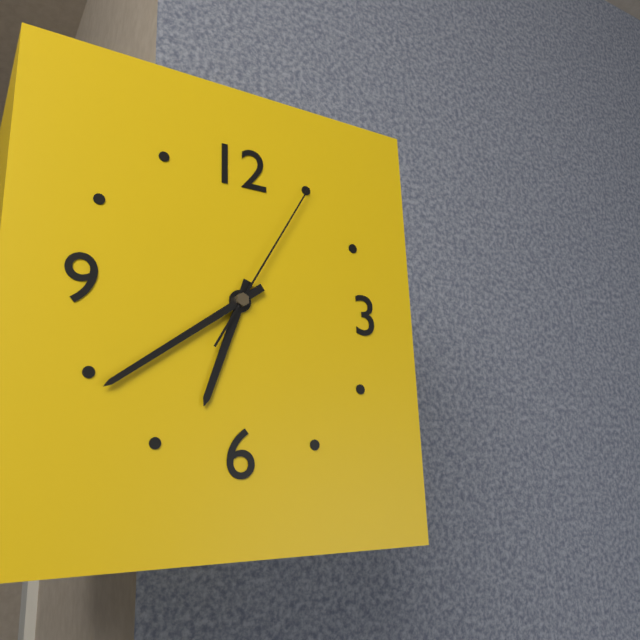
6:39:05
